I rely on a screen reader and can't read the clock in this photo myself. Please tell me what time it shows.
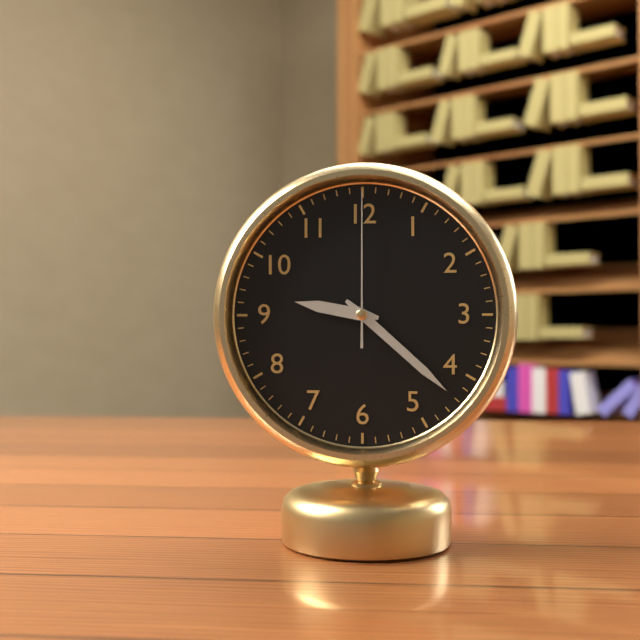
9:22:00
